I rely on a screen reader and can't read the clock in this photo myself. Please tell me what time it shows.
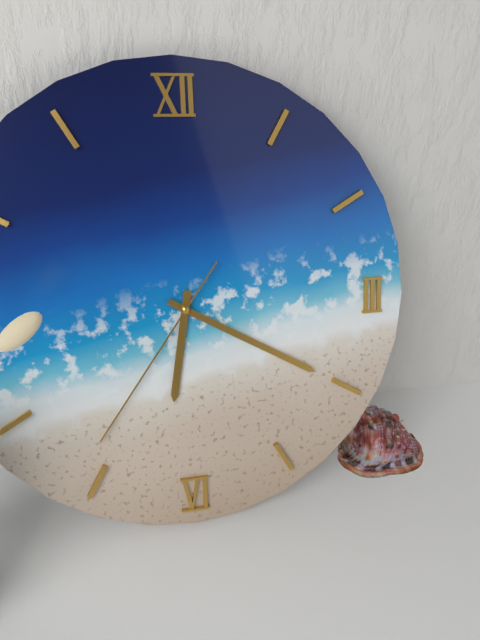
6:20:36
